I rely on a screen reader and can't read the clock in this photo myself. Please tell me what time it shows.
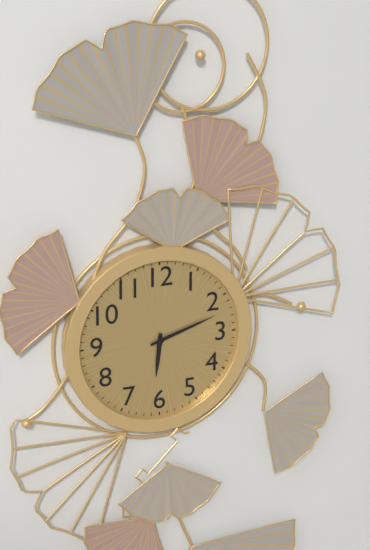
6:12
